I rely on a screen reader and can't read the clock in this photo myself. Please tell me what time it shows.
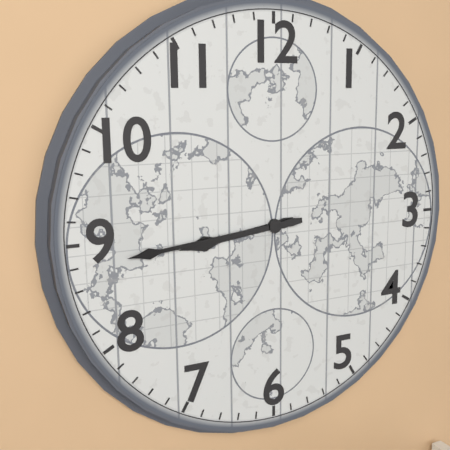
8:44
